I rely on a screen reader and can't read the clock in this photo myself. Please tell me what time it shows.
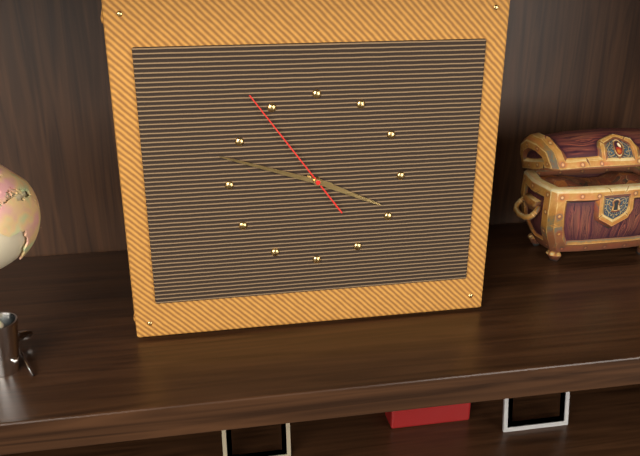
3:48:54
